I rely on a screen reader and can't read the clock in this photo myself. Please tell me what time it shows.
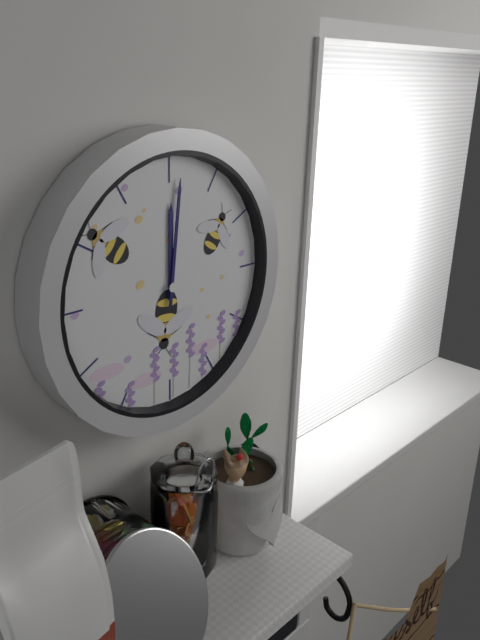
12:01
